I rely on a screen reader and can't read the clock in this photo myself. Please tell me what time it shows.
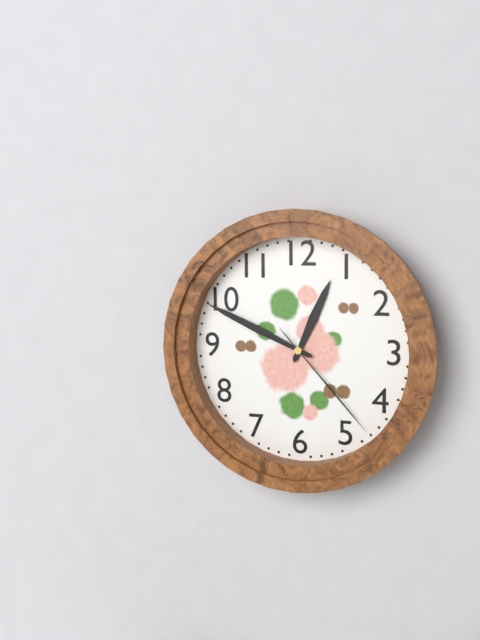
12:49:23
